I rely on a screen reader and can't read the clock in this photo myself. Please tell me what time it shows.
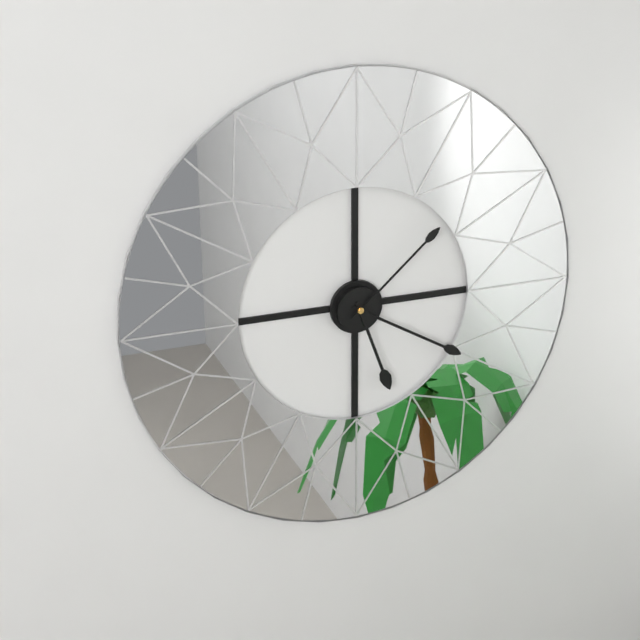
5:20:08
